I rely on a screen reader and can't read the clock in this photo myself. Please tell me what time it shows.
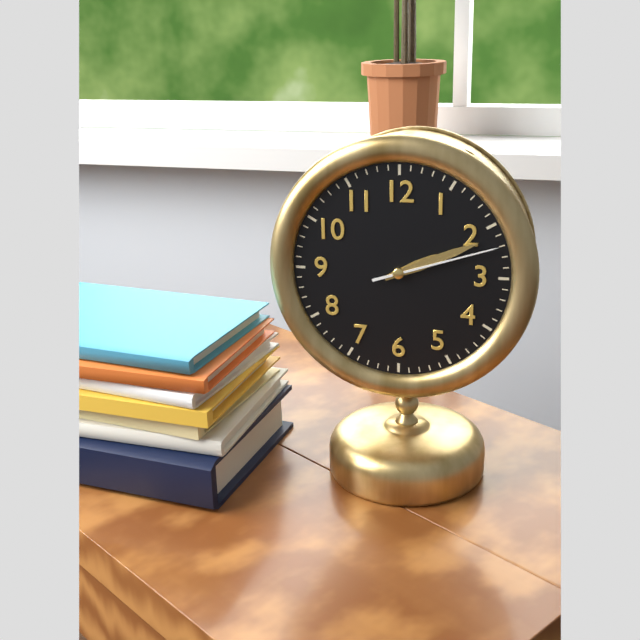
2:11:12
